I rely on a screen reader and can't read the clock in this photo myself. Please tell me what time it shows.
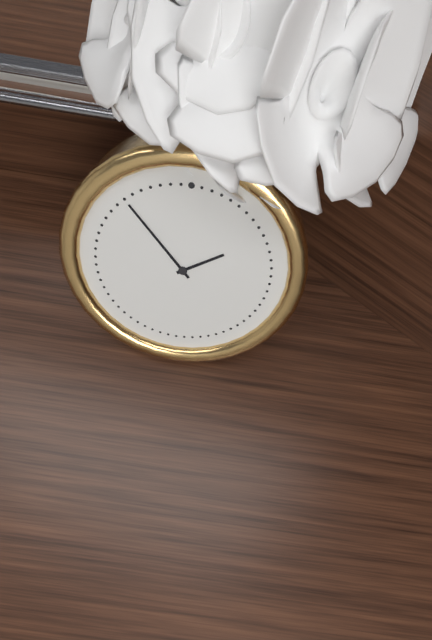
1:53
